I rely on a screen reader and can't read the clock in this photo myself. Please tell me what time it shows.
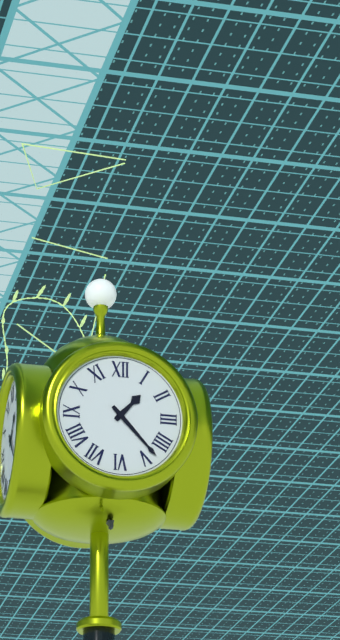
1:23
